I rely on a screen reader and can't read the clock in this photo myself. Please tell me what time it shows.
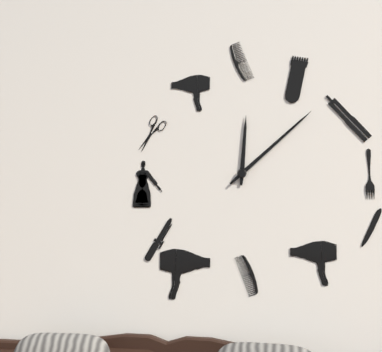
12:08
